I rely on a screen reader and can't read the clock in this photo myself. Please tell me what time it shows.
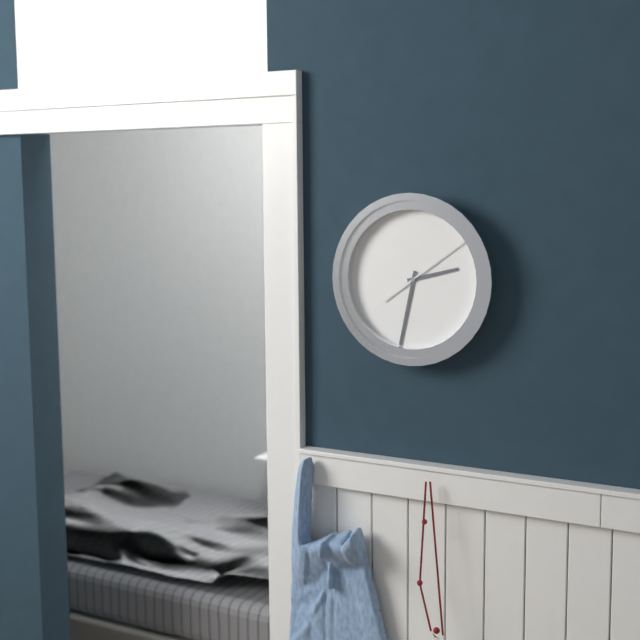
2:32:09
